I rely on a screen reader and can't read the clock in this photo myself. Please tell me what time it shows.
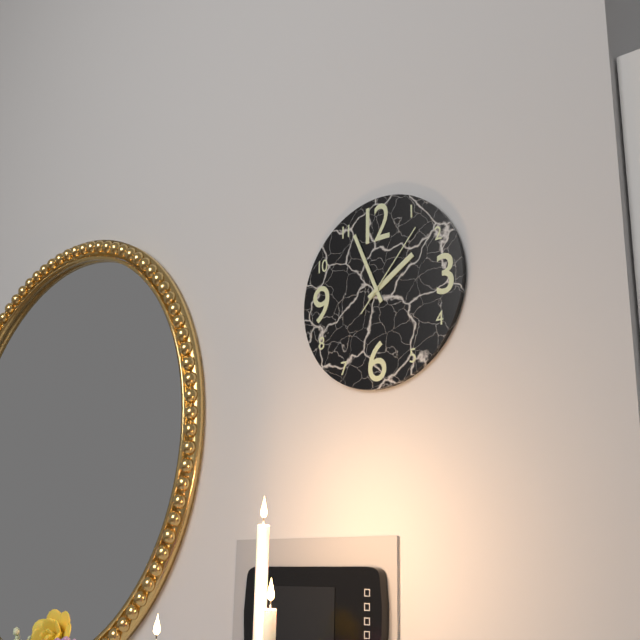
1:56:07
